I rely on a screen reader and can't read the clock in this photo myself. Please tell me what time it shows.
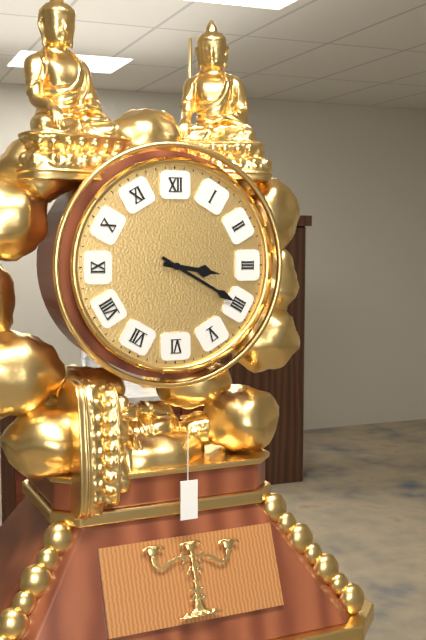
3:20
